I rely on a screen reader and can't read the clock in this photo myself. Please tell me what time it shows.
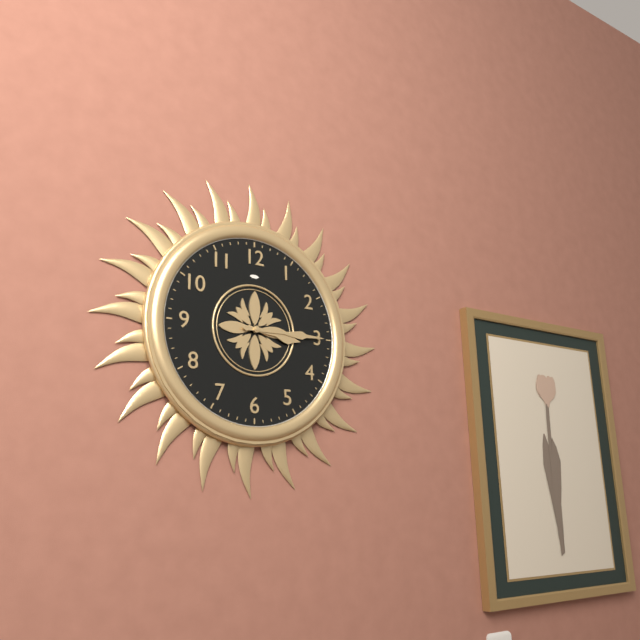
3:15
